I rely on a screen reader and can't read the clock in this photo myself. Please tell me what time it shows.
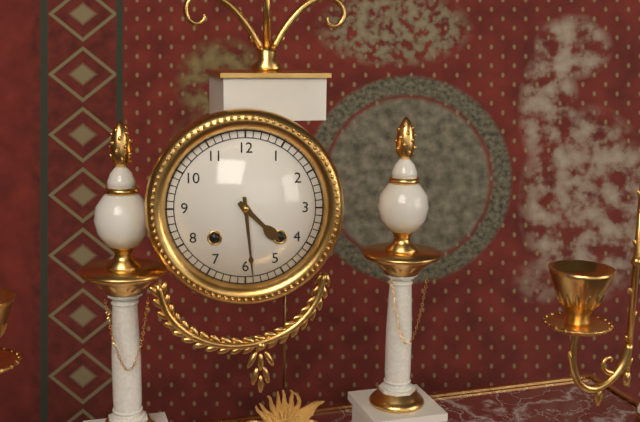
4:29
